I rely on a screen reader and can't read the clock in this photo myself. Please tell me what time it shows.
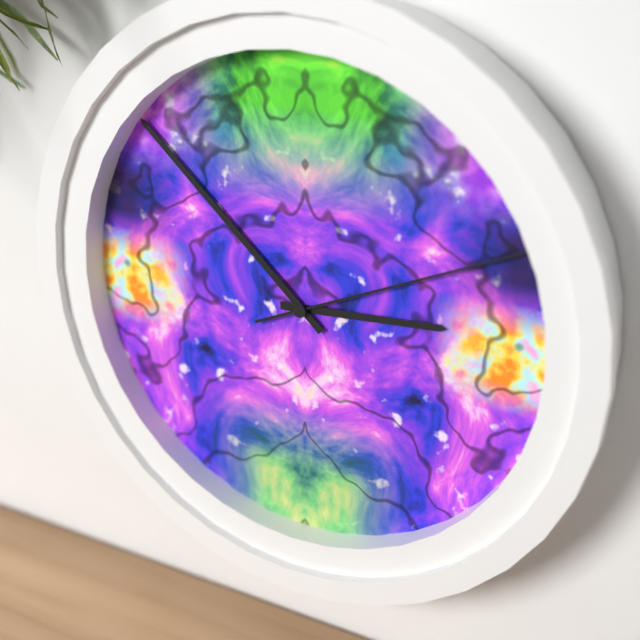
2:52:11
